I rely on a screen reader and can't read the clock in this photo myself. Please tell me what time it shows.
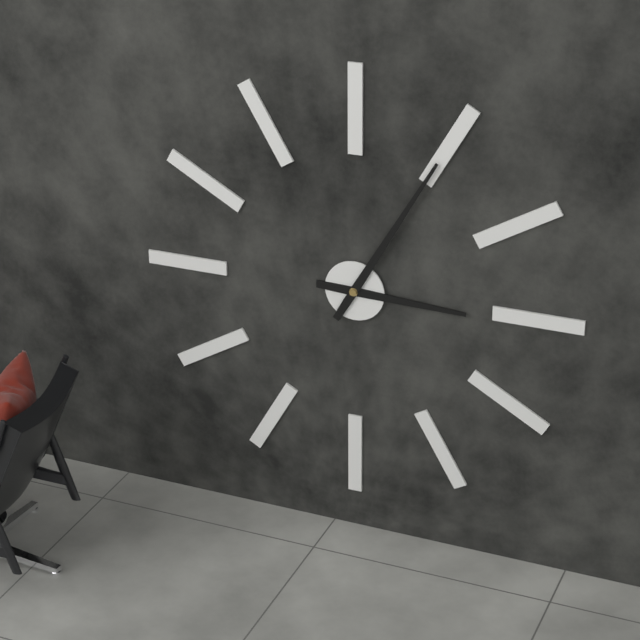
3:05
